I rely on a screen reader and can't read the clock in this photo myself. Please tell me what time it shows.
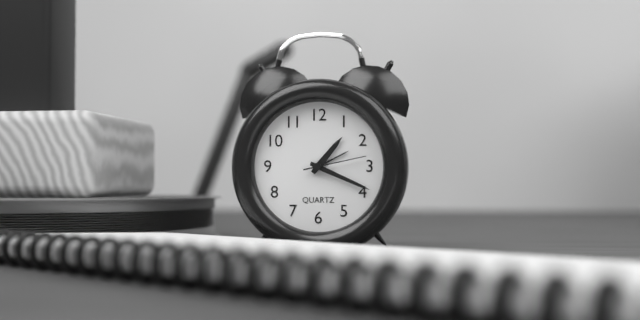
1:19:13
